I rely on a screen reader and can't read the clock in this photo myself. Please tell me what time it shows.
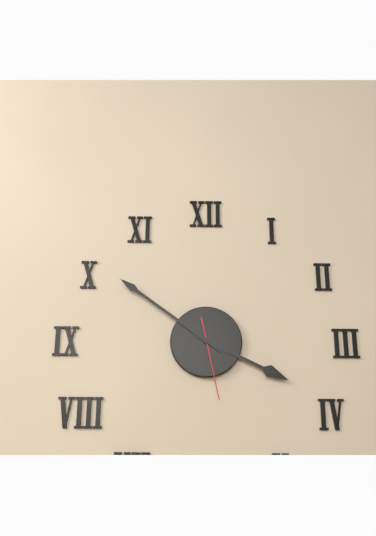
3:51:28
